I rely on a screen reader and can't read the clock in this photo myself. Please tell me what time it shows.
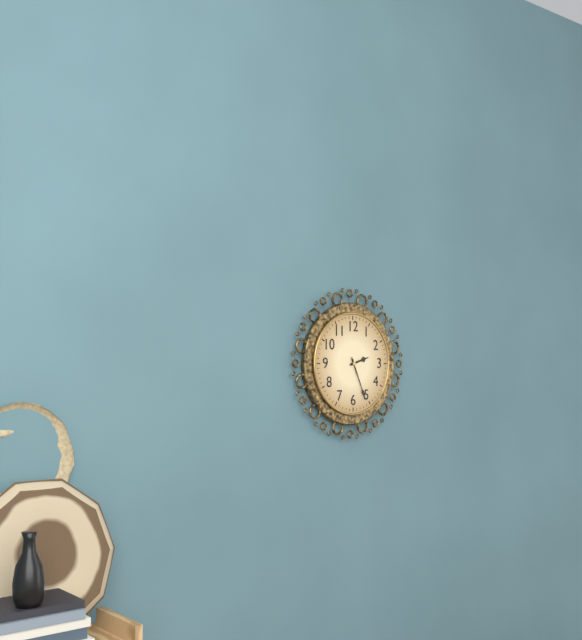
2:26
